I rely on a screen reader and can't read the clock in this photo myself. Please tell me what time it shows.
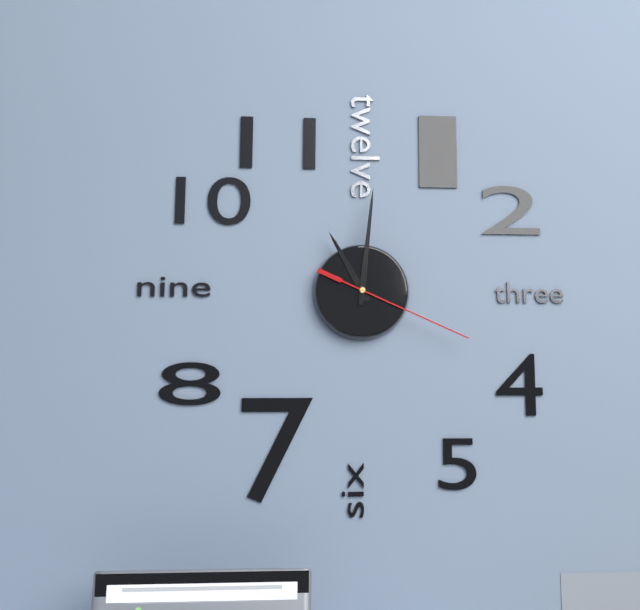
11:01:19
